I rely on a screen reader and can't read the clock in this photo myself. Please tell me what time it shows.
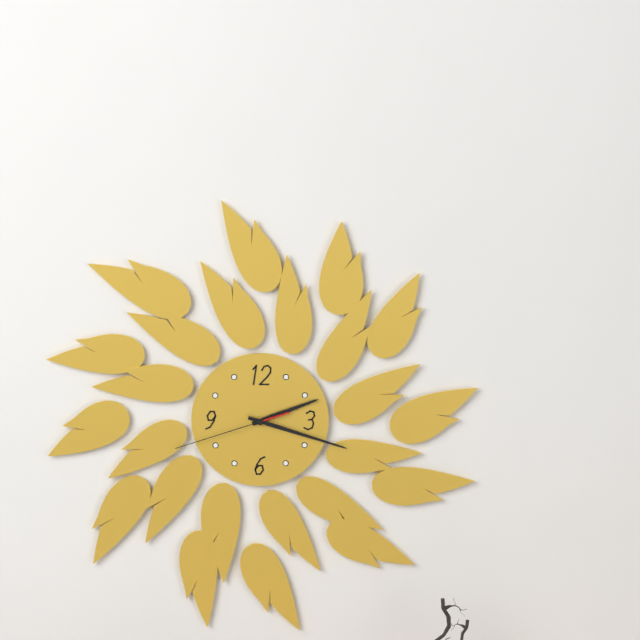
2:18:42
